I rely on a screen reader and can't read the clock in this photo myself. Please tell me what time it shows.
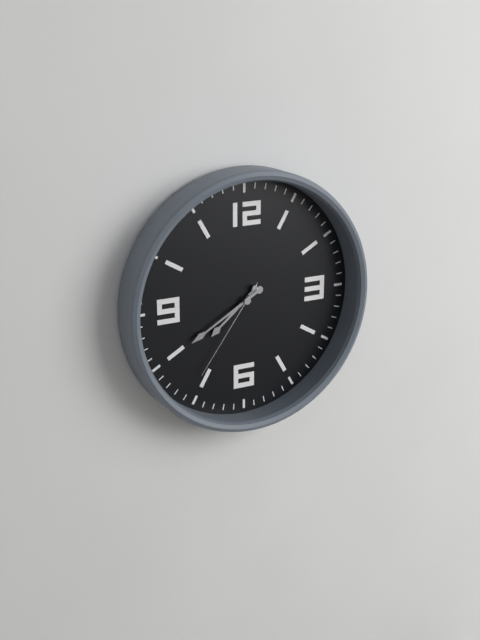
7:40:36
